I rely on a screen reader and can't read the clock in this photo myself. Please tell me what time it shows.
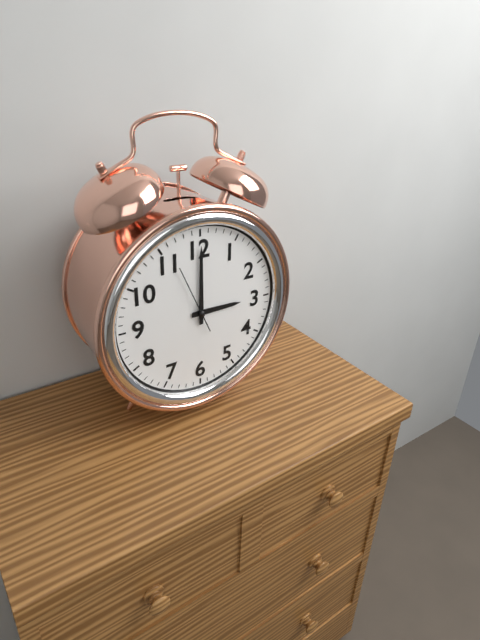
3:00:56
